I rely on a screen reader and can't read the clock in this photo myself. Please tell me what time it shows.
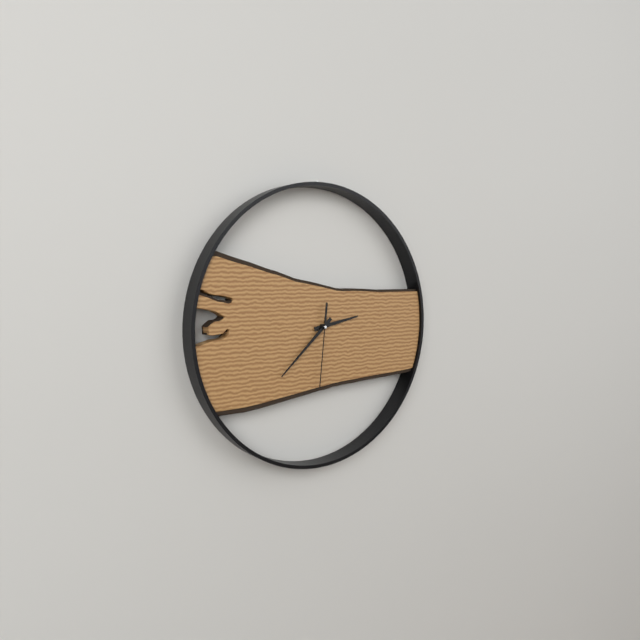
2:38:31
